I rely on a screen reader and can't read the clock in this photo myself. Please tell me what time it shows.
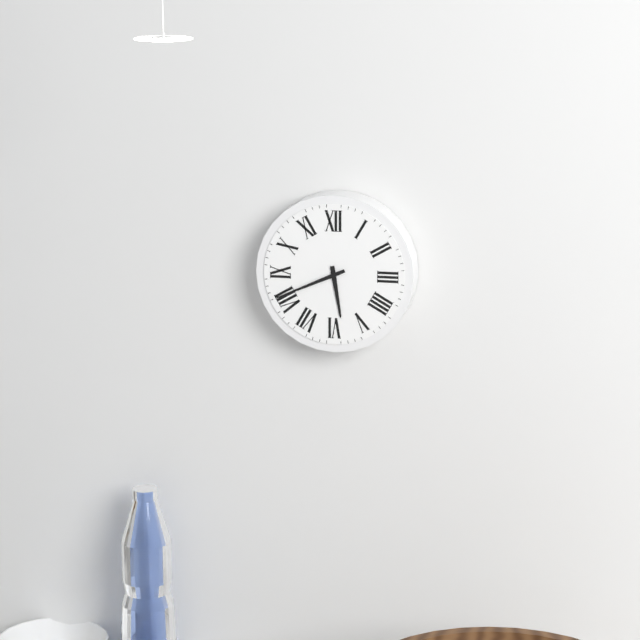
5:41
